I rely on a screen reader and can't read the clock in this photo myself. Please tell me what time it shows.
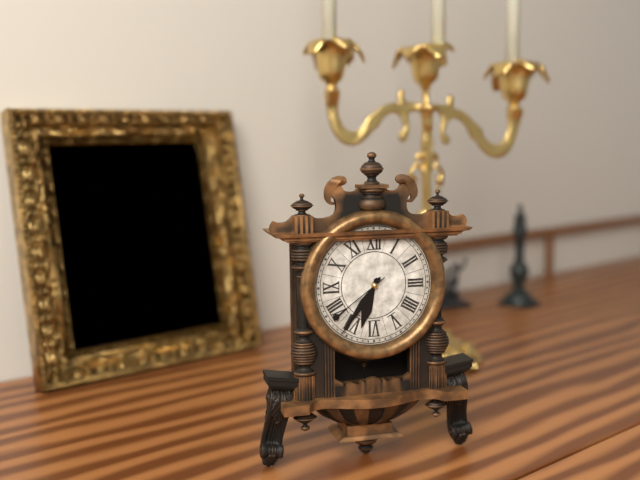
6:36:39
